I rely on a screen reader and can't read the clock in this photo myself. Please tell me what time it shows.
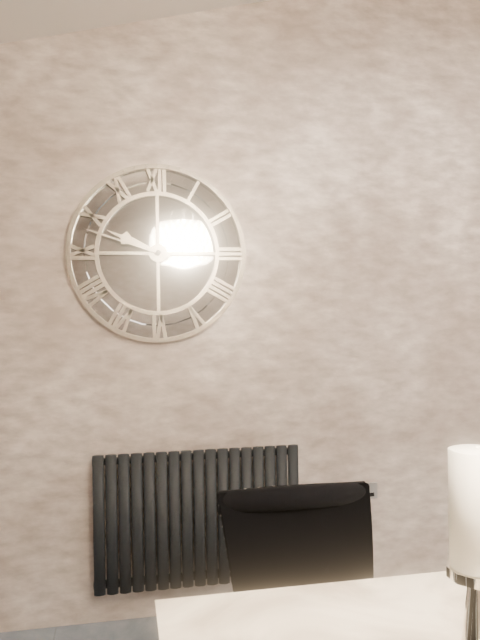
9:48
